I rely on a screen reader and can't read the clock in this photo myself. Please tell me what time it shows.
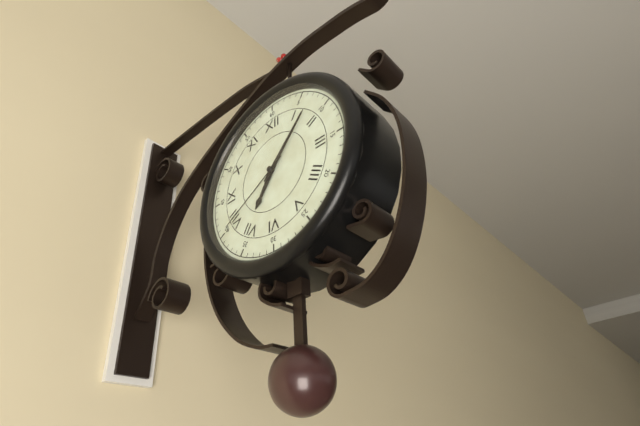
7:07:40
